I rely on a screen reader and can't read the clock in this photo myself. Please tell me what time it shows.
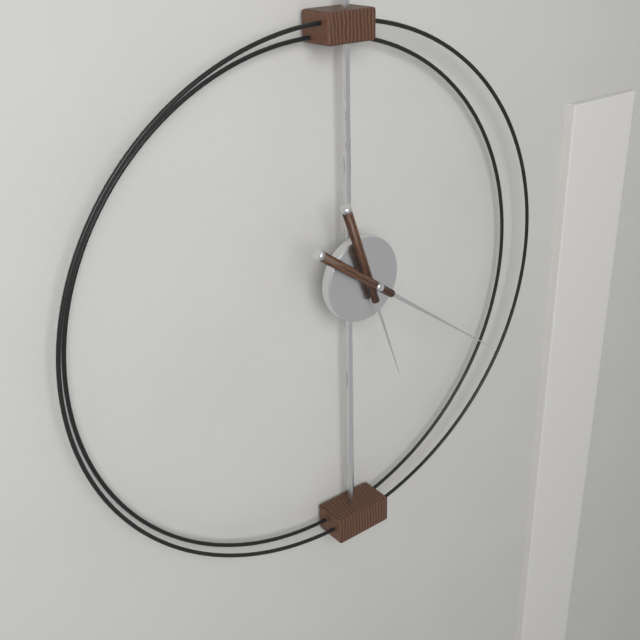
5:21
